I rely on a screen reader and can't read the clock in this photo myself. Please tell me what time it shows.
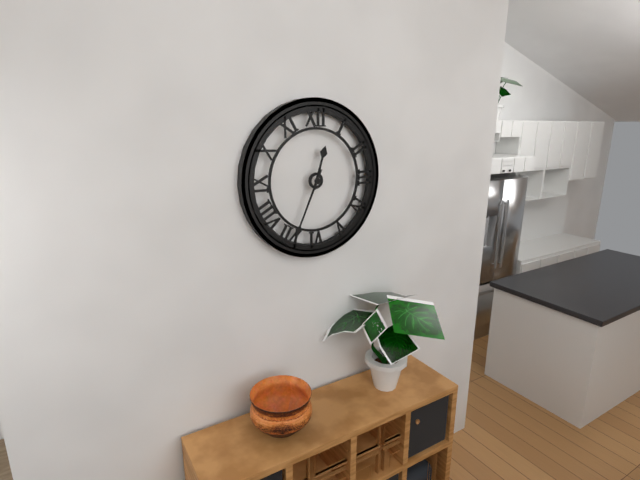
12:34
